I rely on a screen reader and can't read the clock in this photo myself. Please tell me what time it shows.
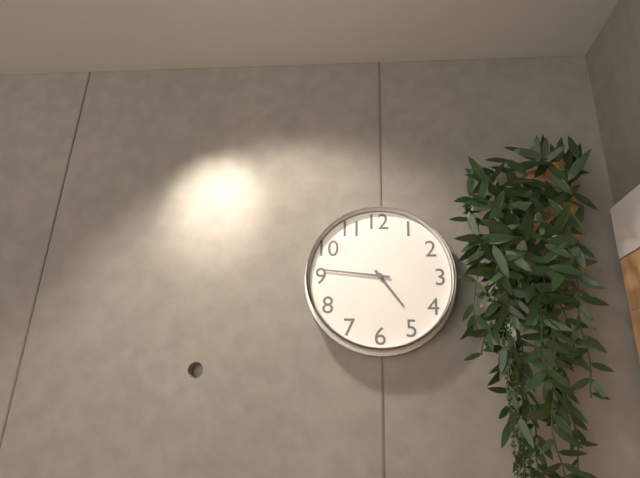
4:46
